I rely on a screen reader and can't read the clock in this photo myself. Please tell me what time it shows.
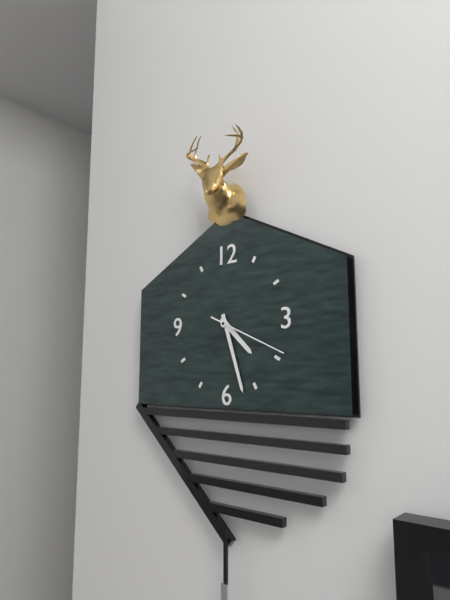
4:27:19
